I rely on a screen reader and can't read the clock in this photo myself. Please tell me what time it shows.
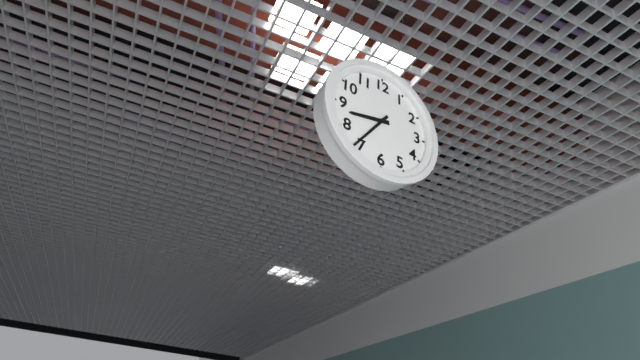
8:36
